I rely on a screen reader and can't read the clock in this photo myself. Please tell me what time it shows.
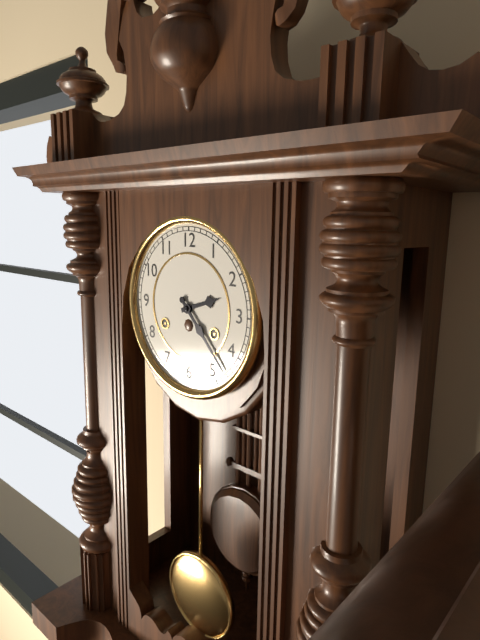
2:23
